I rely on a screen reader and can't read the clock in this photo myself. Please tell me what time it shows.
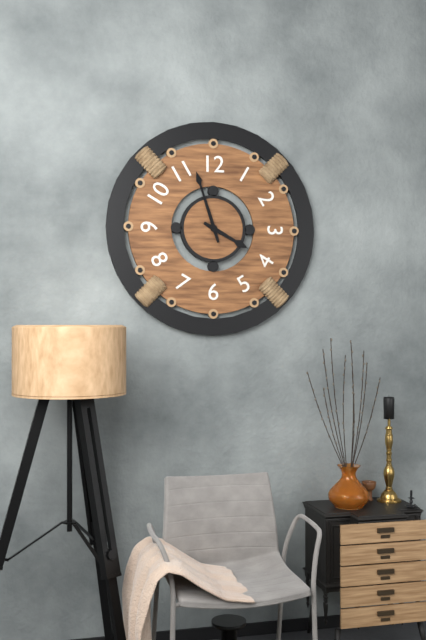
3:57
